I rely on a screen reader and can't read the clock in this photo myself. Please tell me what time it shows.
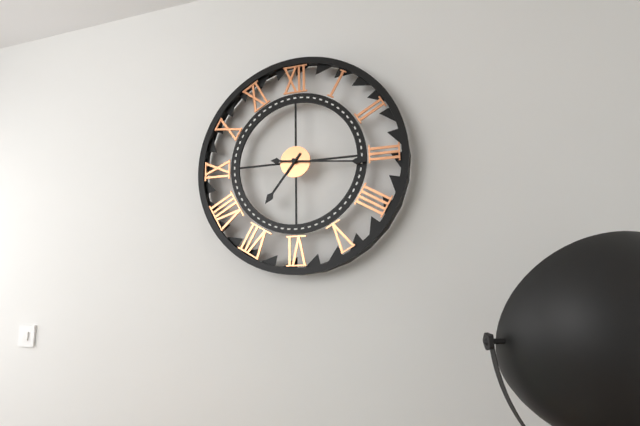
7:16
